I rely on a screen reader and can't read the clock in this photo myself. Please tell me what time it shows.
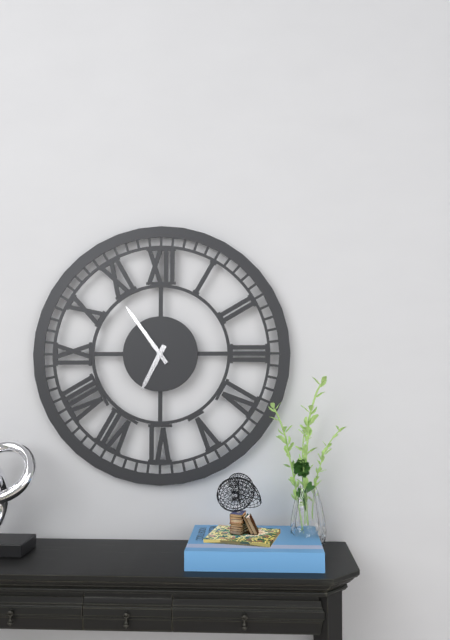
6:54
